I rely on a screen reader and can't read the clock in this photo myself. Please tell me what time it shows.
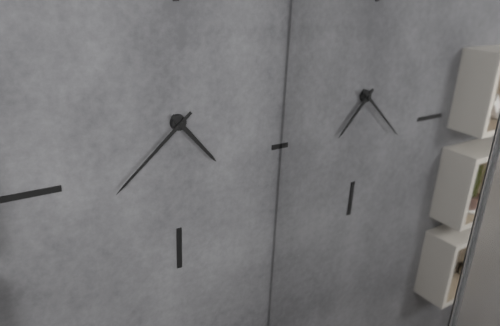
4:38
